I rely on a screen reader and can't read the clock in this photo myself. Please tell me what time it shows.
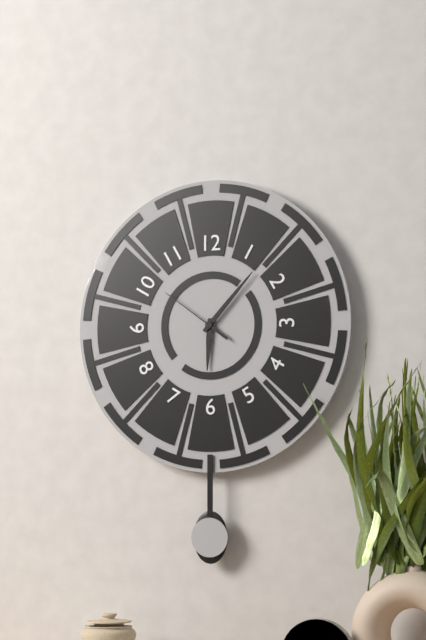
6:07:51
